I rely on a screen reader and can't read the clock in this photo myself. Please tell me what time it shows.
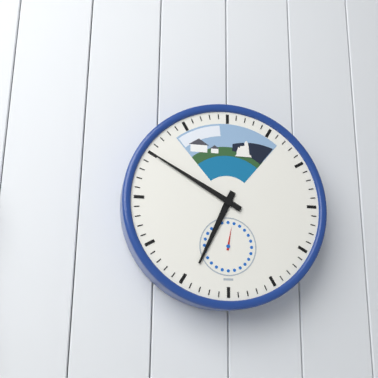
6:50
